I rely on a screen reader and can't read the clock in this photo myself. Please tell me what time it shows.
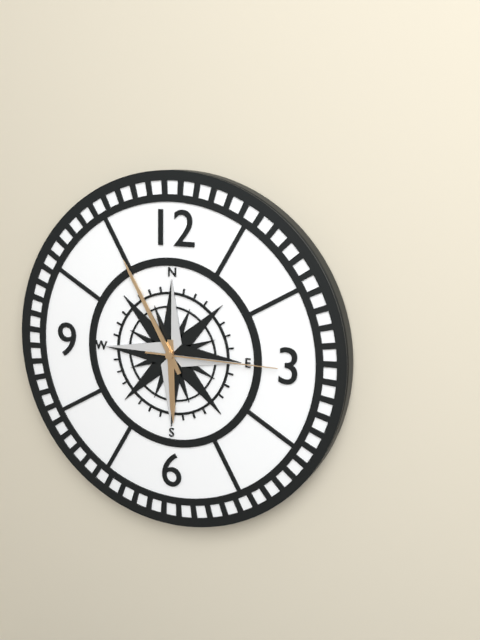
5:55:15
